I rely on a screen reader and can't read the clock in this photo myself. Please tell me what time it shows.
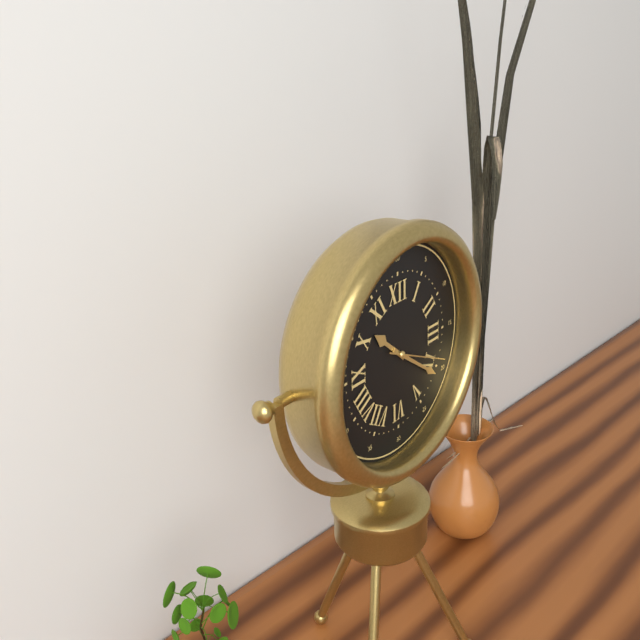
10:21:19
